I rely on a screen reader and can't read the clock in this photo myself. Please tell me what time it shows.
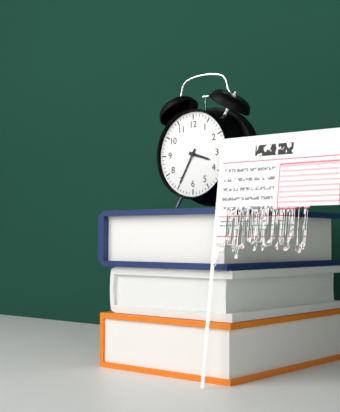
3:35
